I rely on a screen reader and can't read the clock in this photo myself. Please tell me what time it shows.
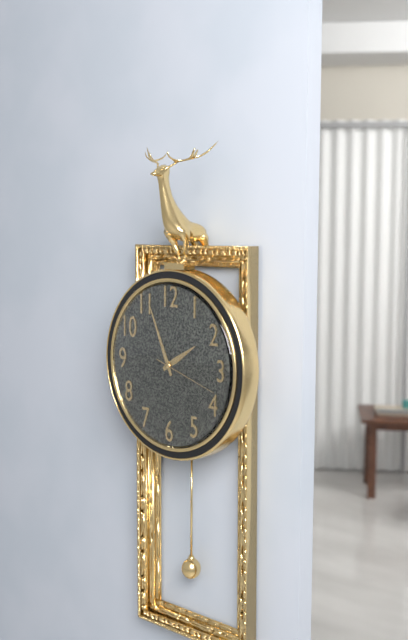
1:56:18
